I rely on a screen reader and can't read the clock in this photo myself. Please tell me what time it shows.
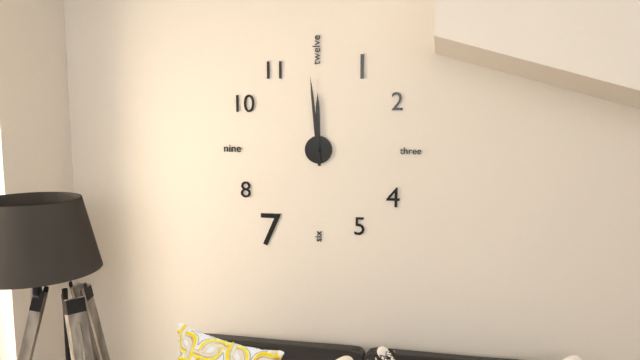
11:59
